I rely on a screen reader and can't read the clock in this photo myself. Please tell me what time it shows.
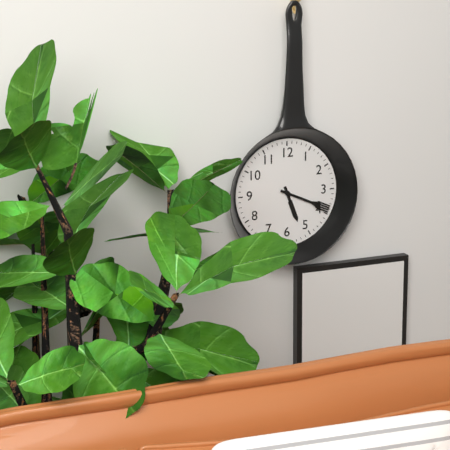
5:19
